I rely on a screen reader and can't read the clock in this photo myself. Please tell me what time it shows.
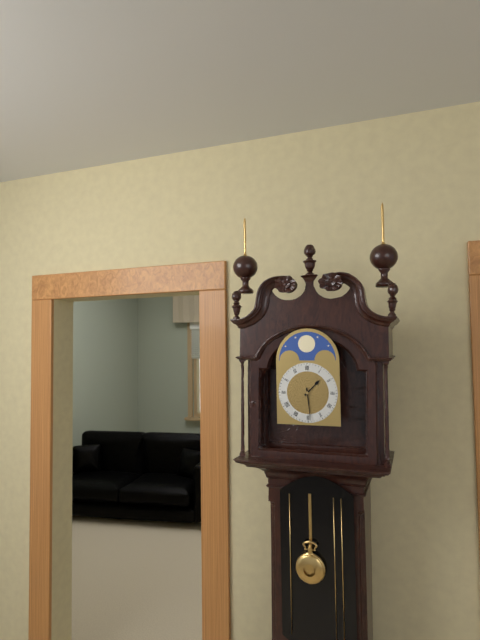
1:29
